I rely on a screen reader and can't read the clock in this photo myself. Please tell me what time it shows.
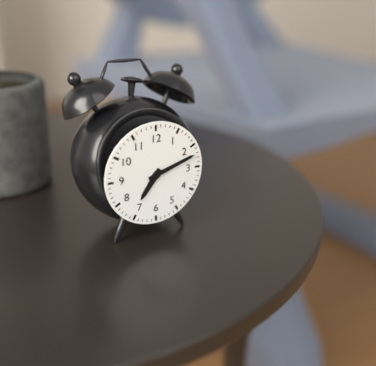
7:12
